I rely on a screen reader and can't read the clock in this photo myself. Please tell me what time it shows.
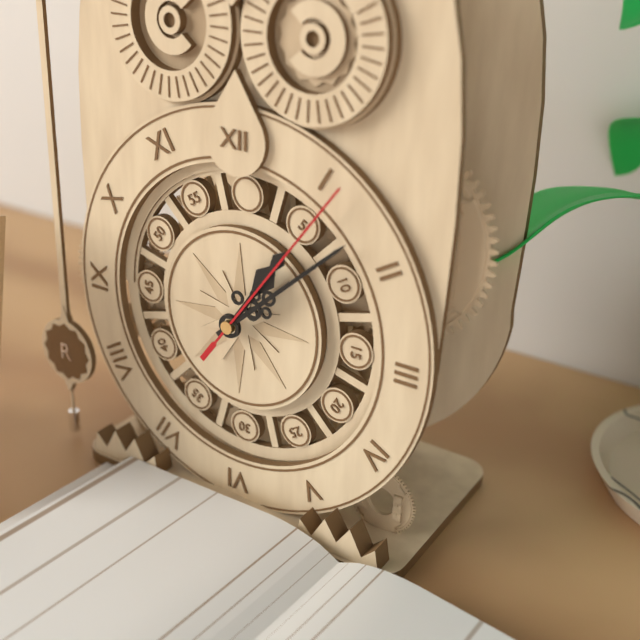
1:08:06
